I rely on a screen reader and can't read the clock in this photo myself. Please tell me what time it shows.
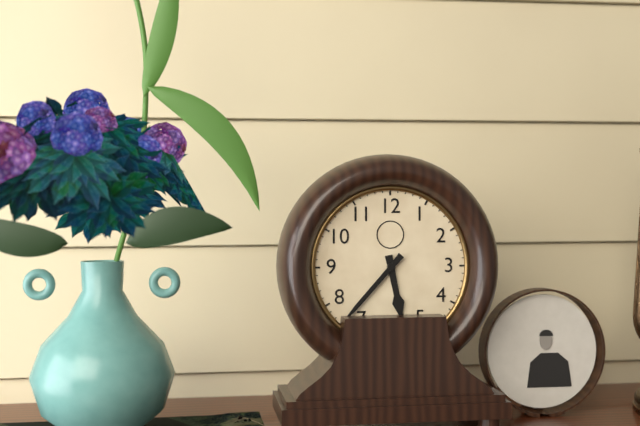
5:37
